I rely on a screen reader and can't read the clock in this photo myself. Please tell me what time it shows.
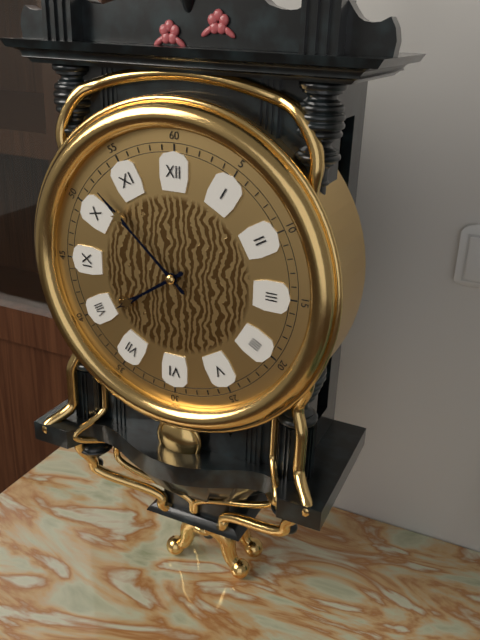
7:52
